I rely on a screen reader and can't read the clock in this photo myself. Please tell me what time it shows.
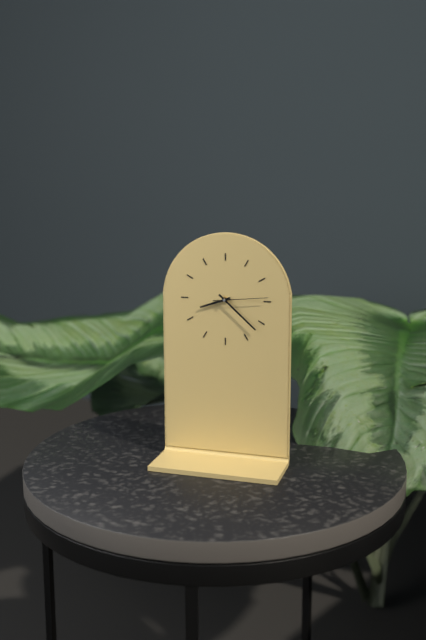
8:22:14
